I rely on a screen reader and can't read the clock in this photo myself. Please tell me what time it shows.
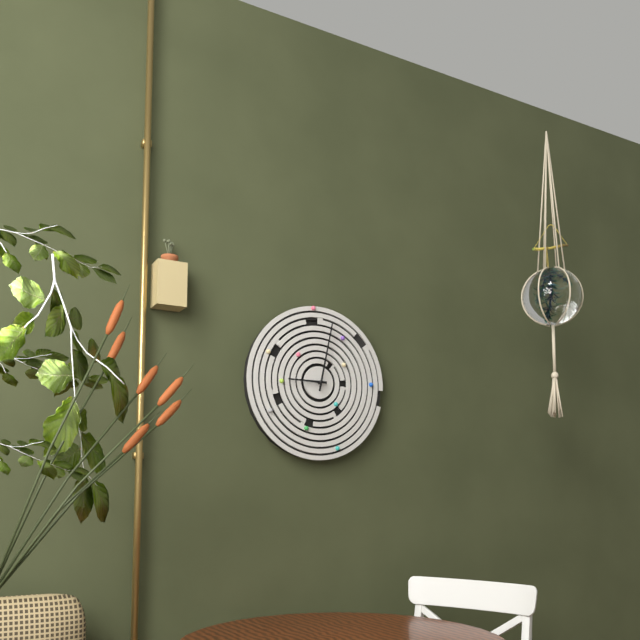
9:02
